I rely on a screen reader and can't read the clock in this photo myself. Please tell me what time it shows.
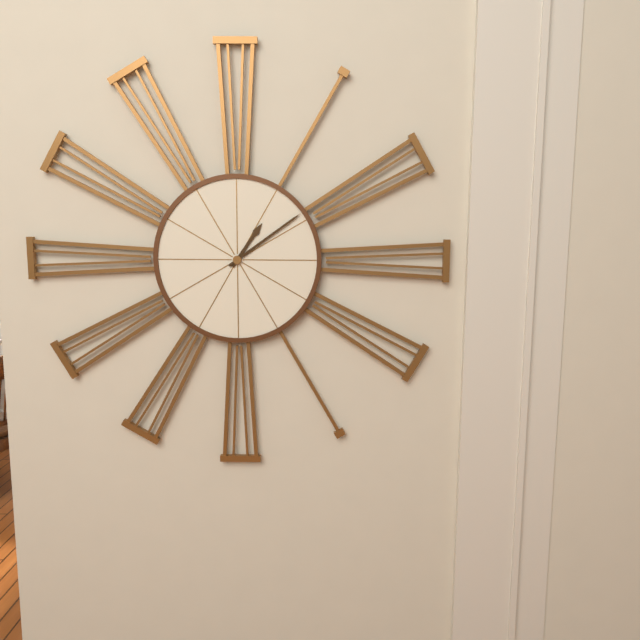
1:09
